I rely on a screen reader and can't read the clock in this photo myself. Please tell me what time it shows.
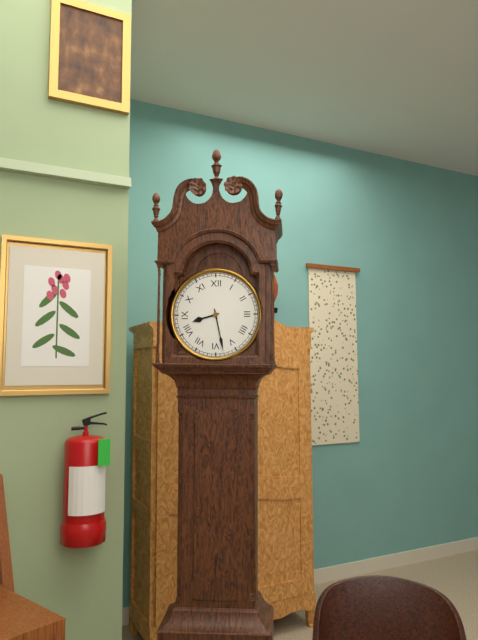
8:28
